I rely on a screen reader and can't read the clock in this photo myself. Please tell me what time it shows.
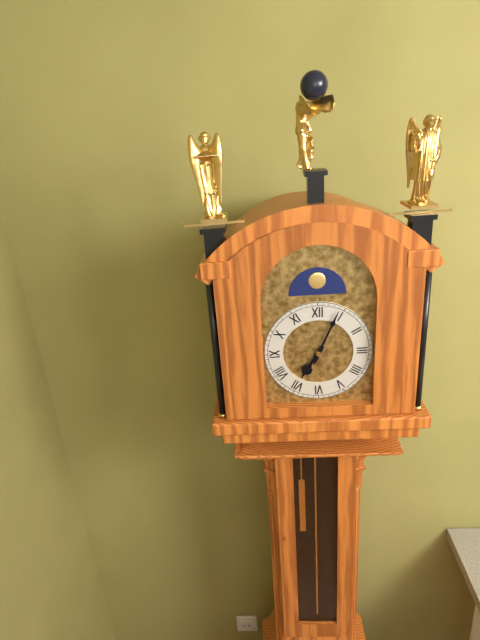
7:04
